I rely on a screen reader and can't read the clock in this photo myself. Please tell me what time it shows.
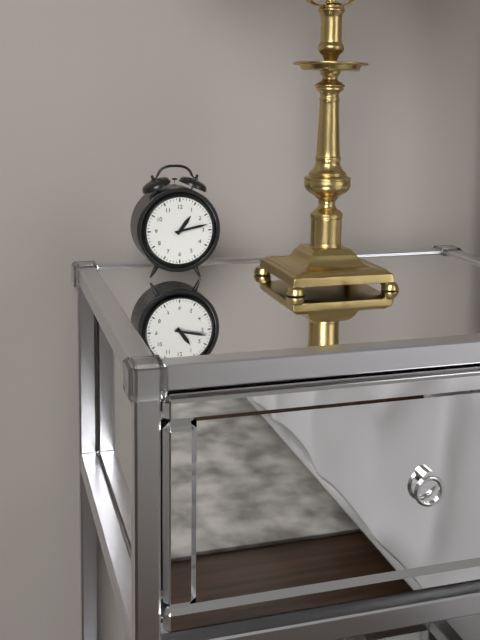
1:13
